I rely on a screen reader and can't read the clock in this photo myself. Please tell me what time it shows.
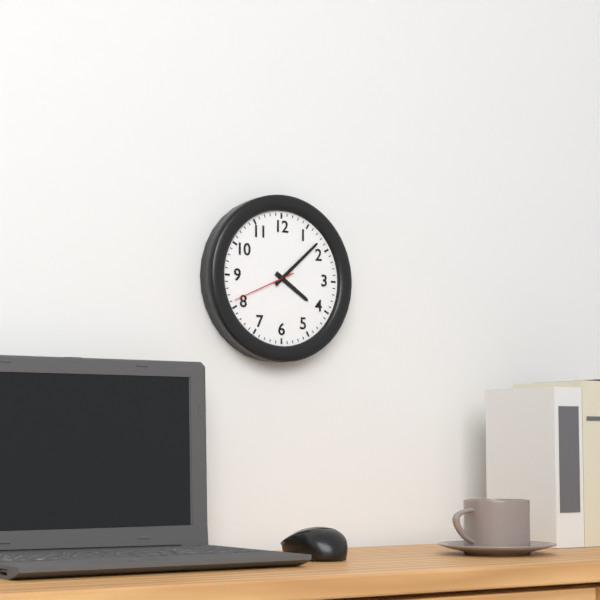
4:08:41
